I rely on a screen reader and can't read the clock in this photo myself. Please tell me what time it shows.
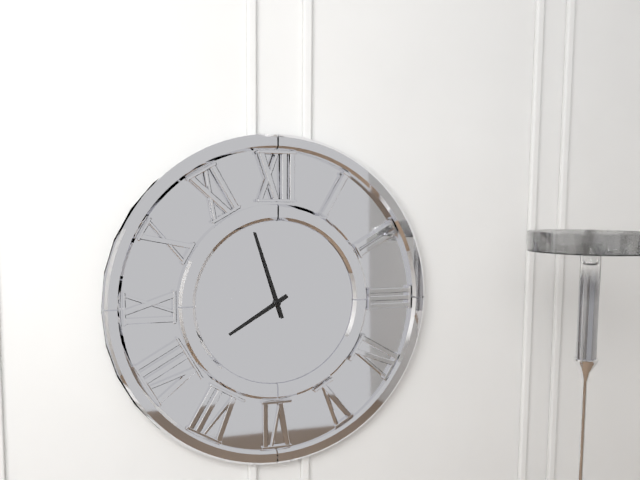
7:57
